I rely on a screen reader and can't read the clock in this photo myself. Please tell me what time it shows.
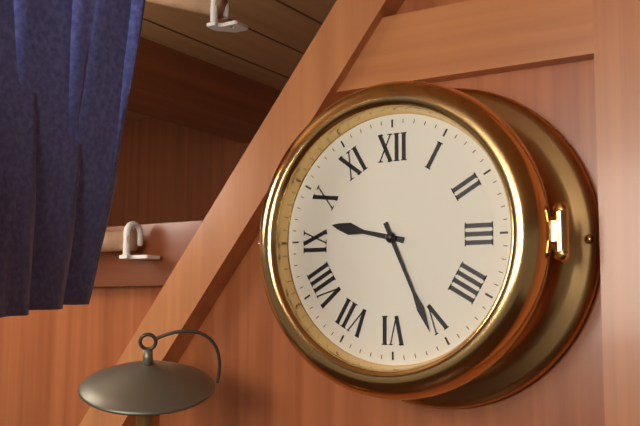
9:26
